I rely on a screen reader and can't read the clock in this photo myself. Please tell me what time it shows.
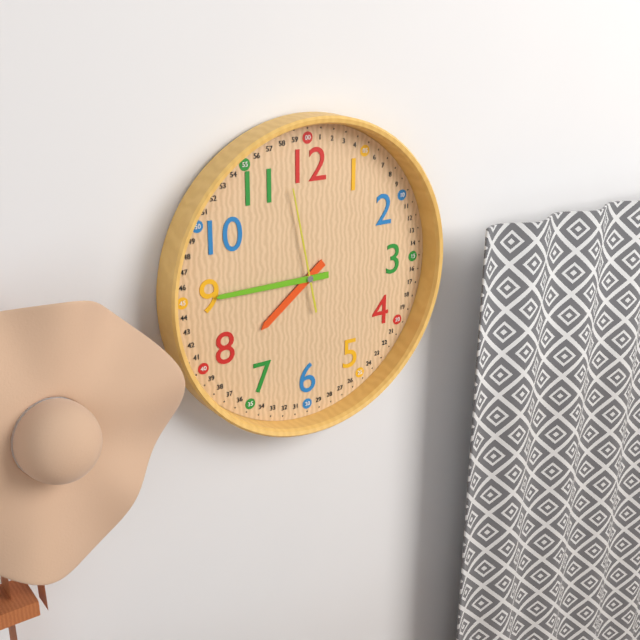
7:45:58
